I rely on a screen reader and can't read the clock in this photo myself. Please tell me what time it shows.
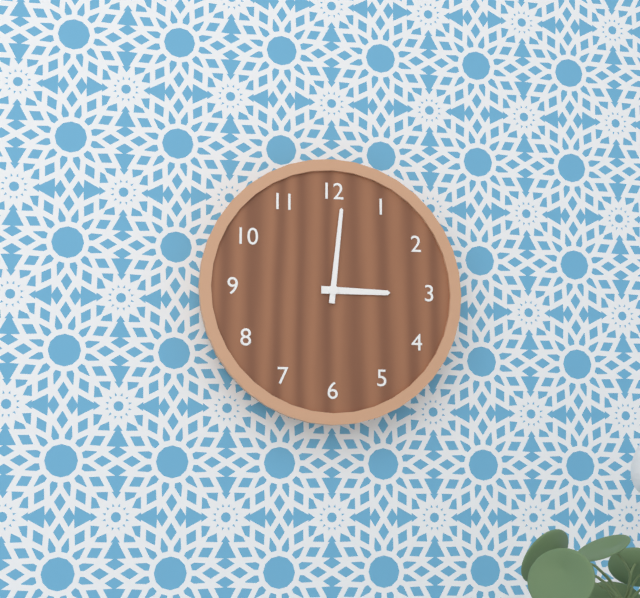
3:01
